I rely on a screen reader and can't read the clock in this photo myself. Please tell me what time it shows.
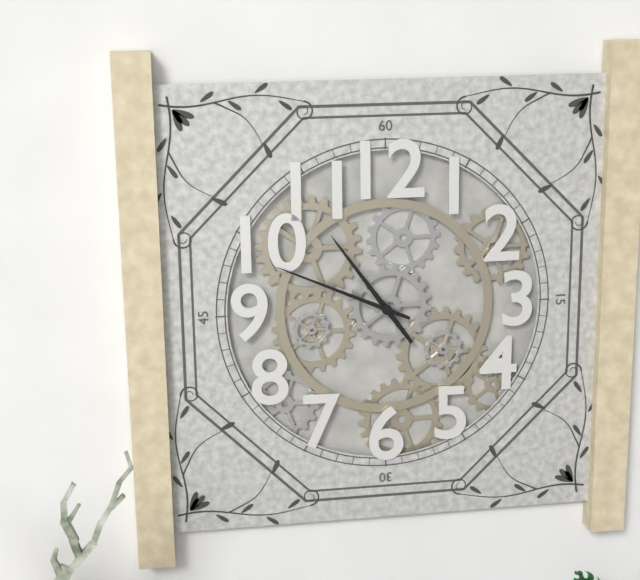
10:49
